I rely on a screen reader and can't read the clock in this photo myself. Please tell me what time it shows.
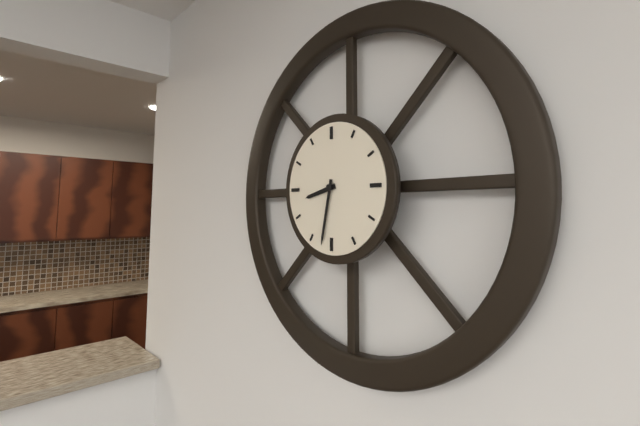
8:32
